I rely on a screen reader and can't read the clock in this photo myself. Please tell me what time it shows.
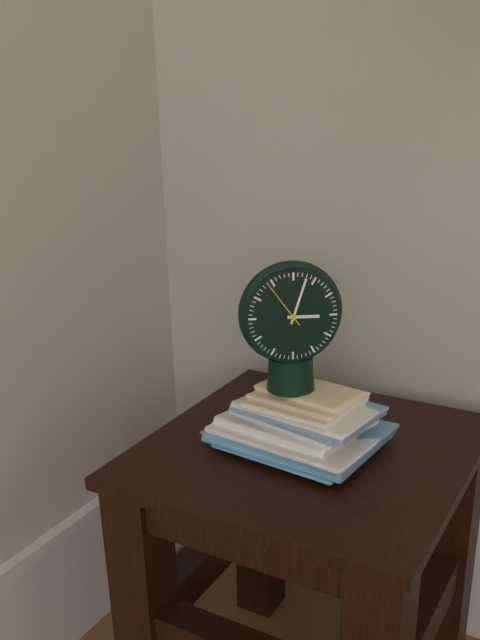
3:03:54
